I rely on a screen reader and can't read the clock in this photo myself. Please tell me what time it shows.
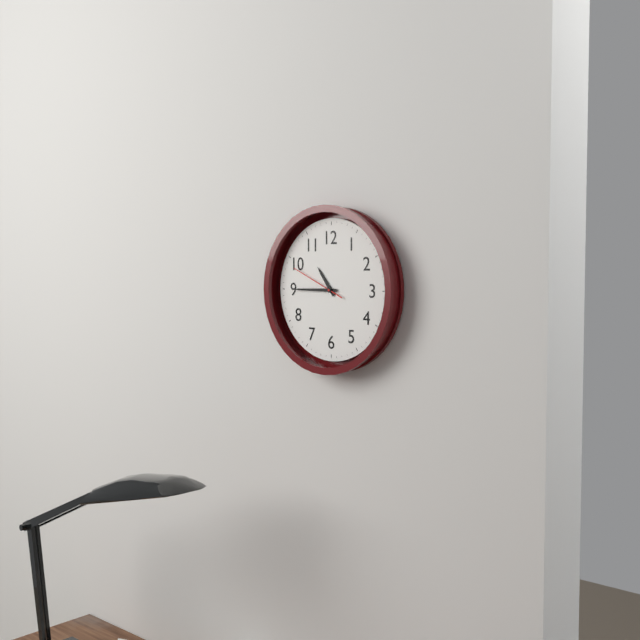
10:45:49
